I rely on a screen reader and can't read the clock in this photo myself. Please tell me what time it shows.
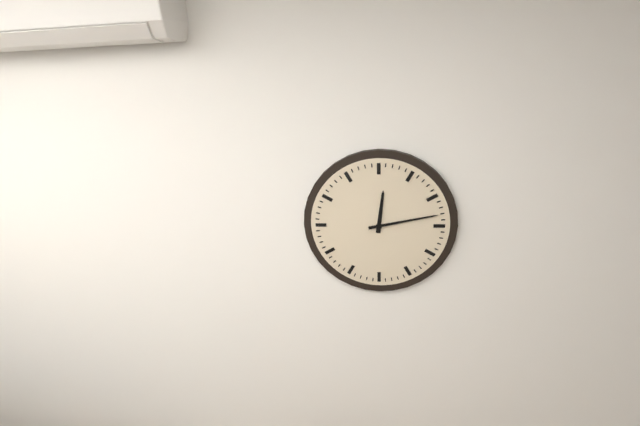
12:13
